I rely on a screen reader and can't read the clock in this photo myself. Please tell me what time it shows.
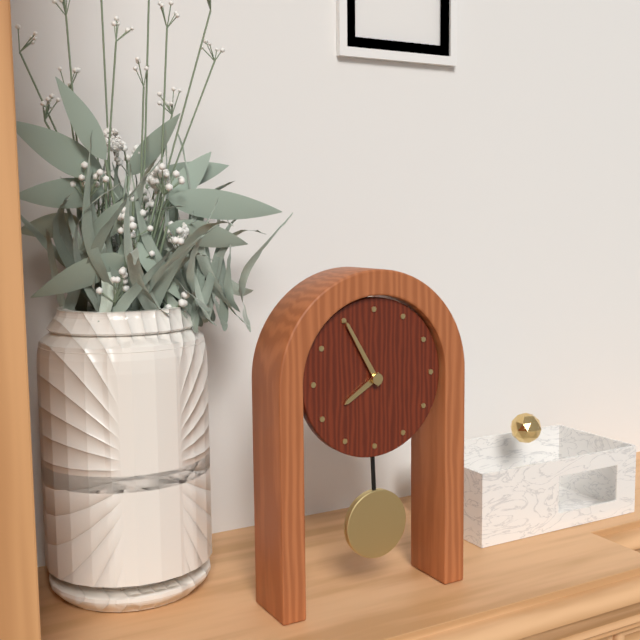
7:55
